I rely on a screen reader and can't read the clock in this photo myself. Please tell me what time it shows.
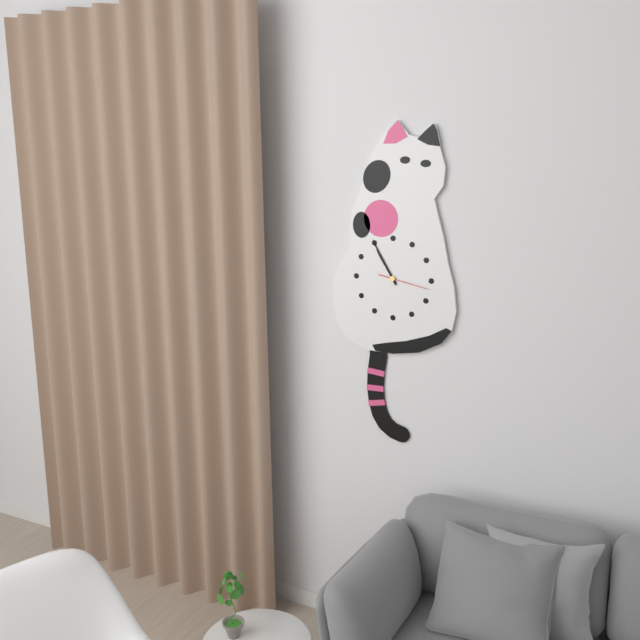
10:55
